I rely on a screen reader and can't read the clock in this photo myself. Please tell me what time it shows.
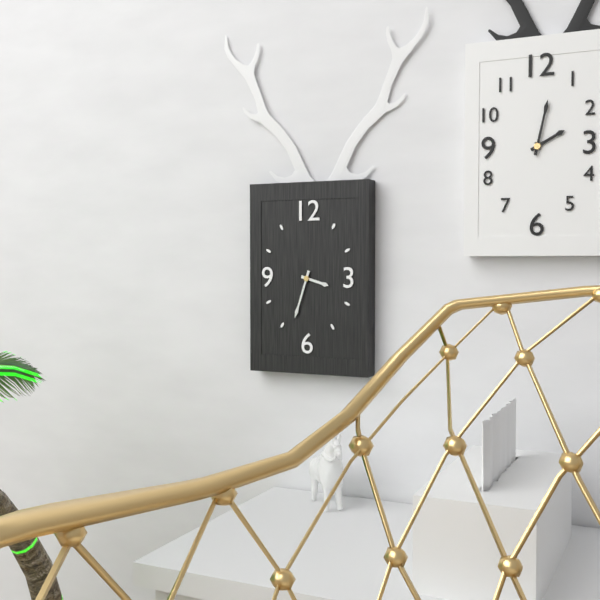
3:33
